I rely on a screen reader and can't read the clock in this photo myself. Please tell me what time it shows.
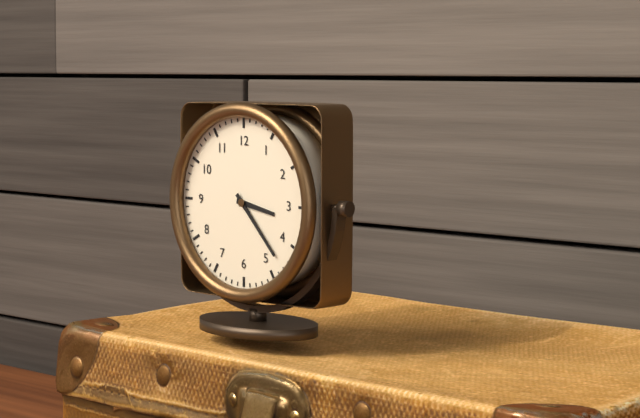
3:23
